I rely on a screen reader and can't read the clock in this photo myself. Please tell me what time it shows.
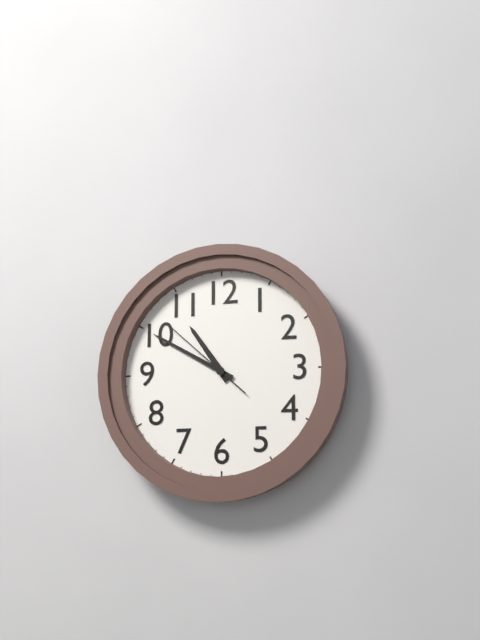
10:50:52
